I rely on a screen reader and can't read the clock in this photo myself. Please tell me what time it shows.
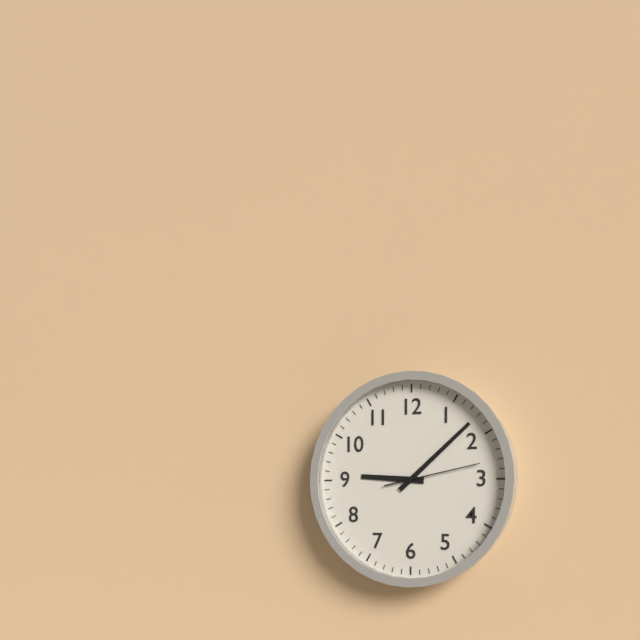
9:08:13
